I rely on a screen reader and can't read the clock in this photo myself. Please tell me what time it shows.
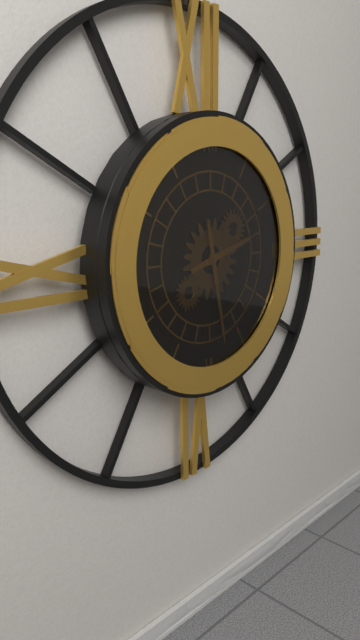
2:28
